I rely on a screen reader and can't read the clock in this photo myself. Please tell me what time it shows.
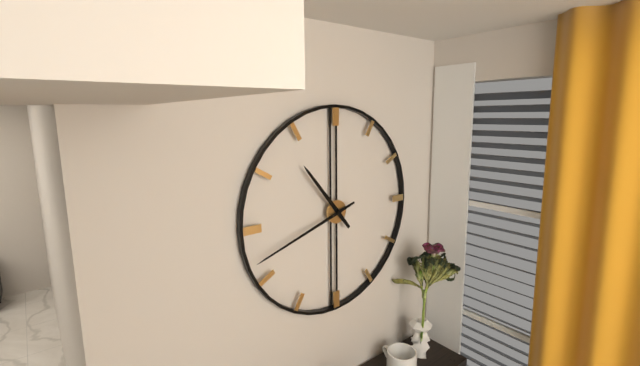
10:42
